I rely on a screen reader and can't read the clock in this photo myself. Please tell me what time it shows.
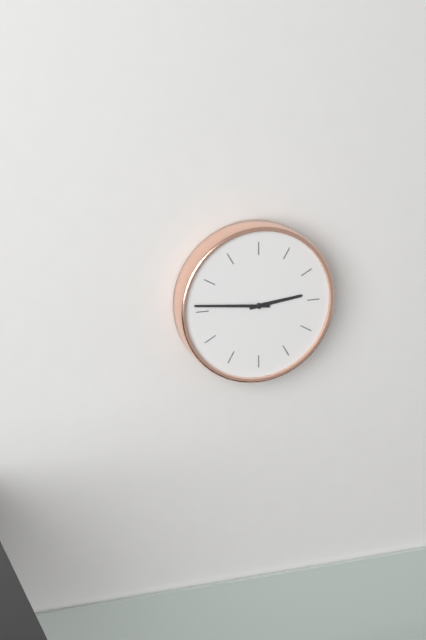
2:46
